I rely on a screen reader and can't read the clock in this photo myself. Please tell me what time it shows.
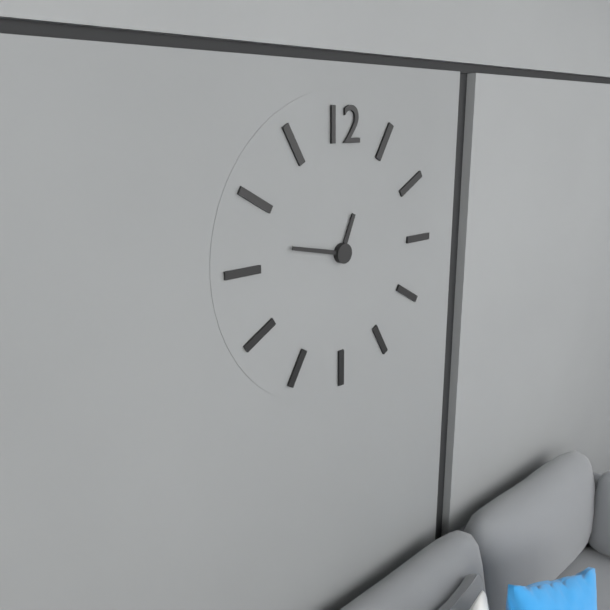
12:47
